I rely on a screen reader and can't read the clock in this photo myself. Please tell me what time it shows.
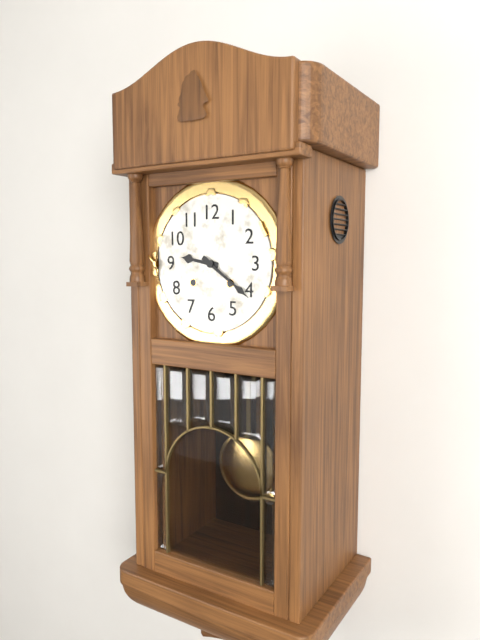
9:21
